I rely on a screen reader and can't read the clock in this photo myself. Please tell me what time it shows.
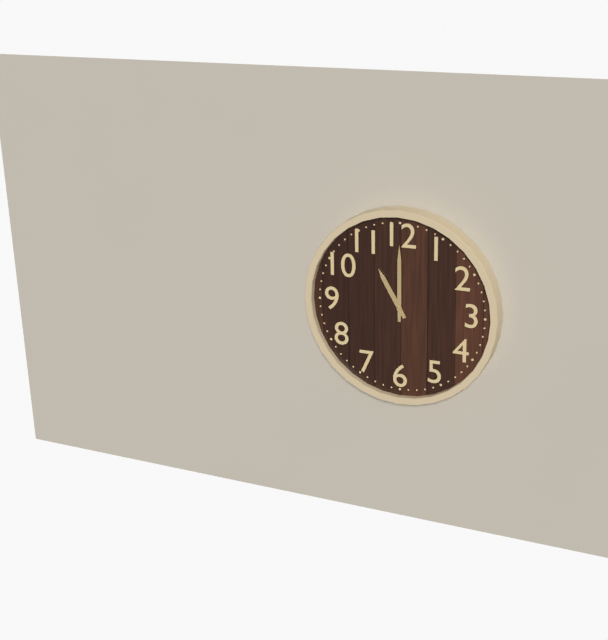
11:00
